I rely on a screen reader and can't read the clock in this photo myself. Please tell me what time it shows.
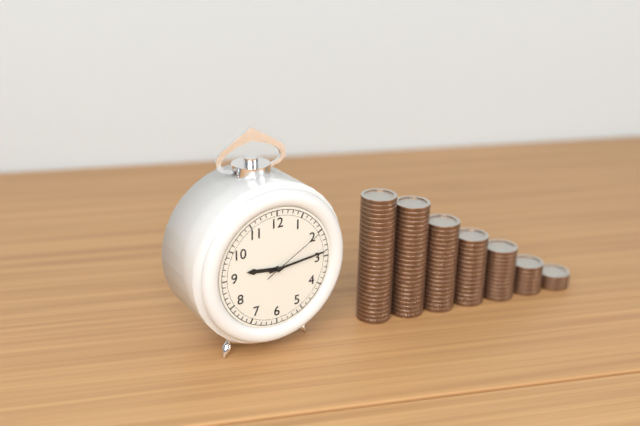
9:14:10
